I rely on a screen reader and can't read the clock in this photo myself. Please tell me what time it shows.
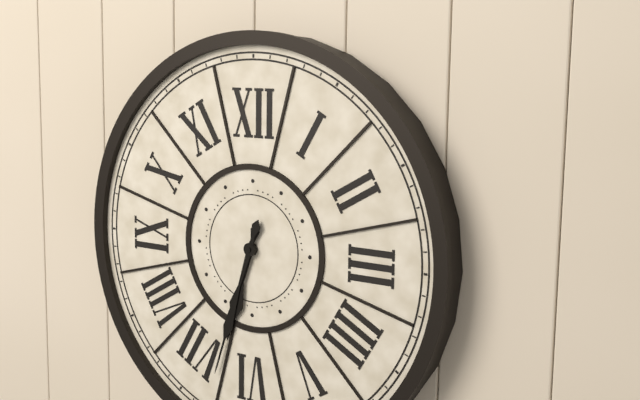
6:33
